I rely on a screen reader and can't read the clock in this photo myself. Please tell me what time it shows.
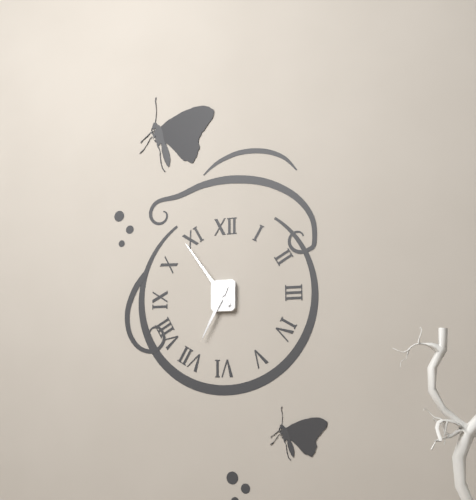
6:54
